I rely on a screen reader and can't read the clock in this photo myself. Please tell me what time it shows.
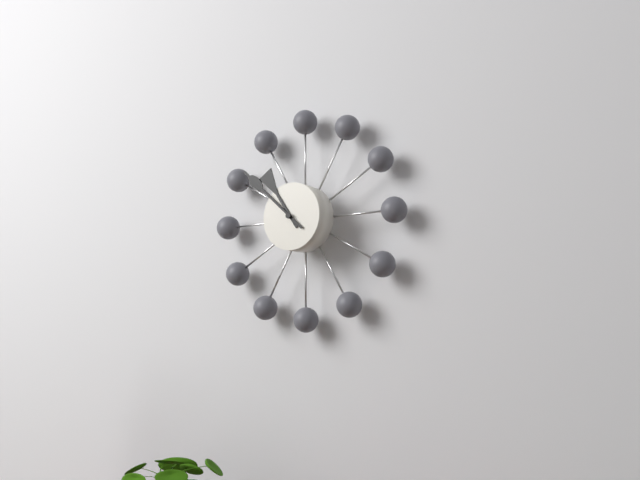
10:52
